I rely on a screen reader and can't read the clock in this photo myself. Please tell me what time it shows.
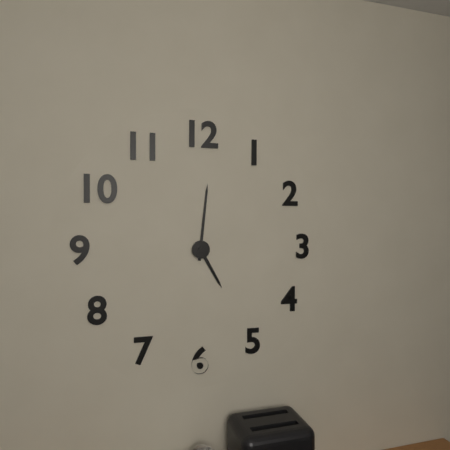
5:01
